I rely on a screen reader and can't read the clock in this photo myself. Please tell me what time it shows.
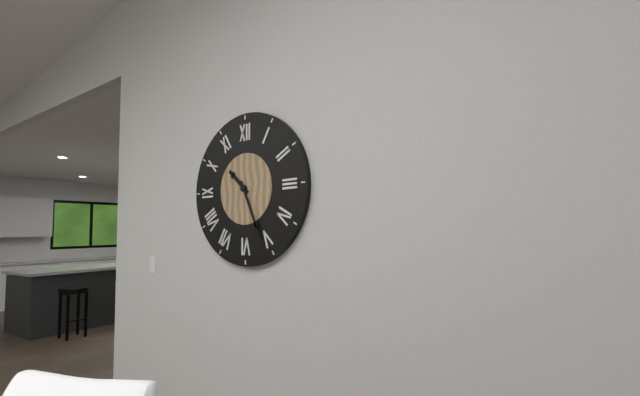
10:26
